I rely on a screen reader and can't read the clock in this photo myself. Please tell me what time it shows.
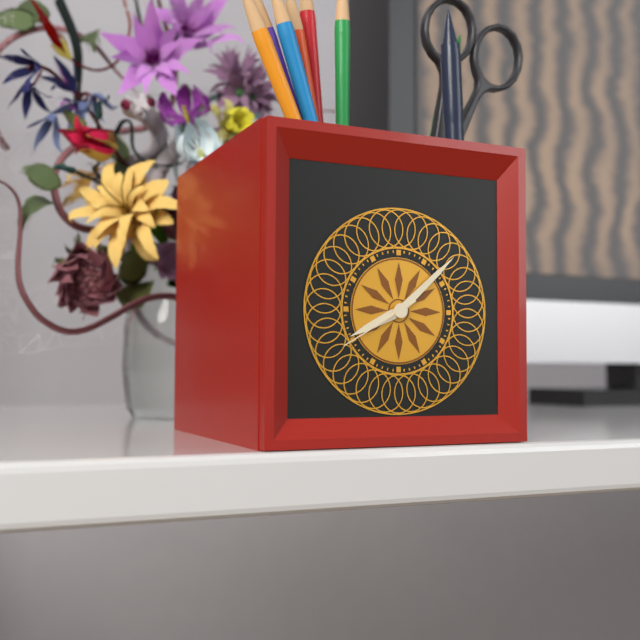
8:08:40
